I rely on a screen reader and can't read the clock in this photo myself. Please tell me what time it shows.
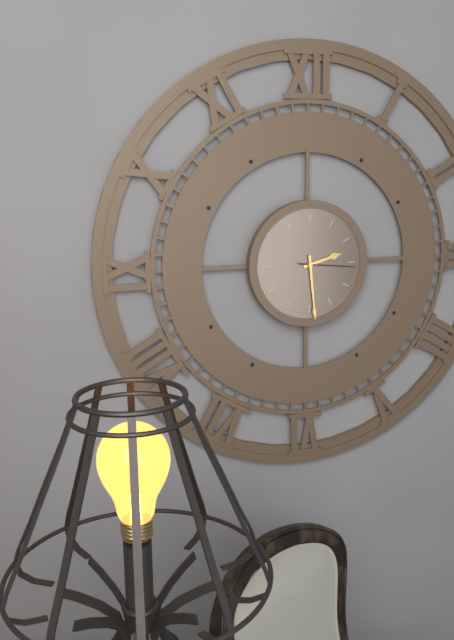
2:29:16
